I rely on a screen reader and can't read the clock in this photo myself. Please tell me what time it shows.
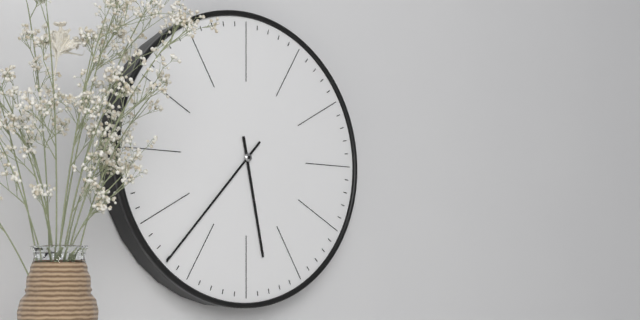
5:37
